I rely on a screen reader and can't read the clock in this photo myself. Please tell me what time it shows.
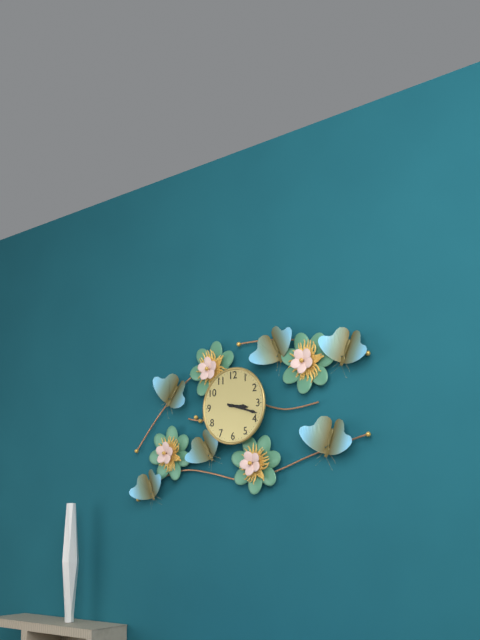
3:18
